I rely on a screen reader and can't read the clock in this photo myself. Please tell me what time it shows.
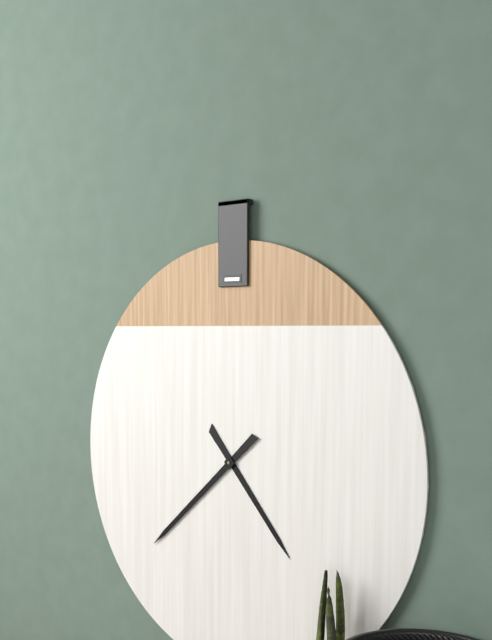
4:38
